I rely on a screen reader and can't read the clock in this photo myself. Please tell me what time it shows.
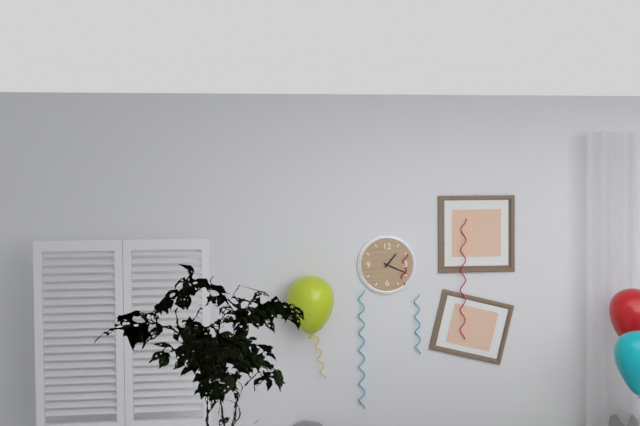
1:19
